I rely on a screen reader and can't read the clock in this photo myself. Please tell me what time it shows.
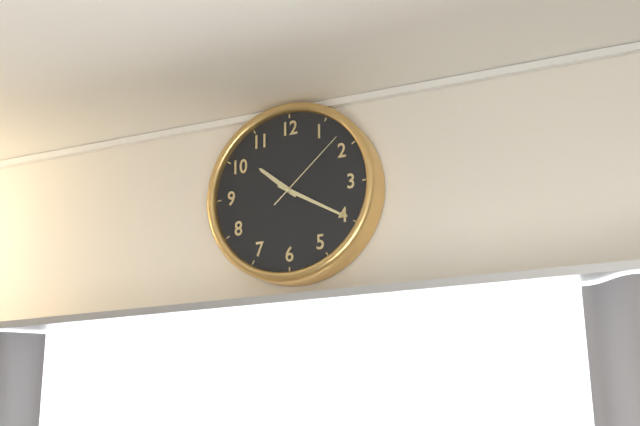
10:20:08
